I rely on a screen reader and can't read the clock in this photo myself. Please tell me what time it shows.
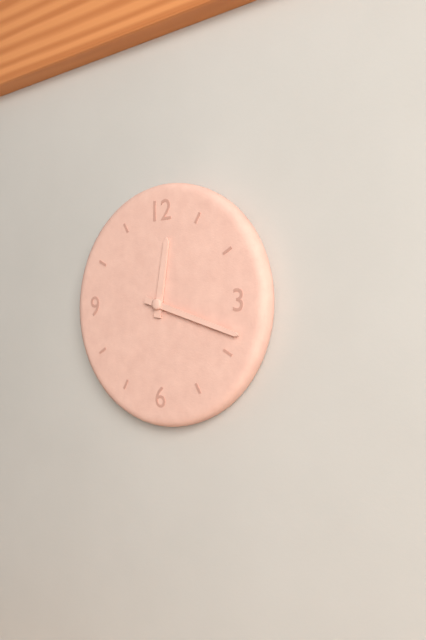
12:18
